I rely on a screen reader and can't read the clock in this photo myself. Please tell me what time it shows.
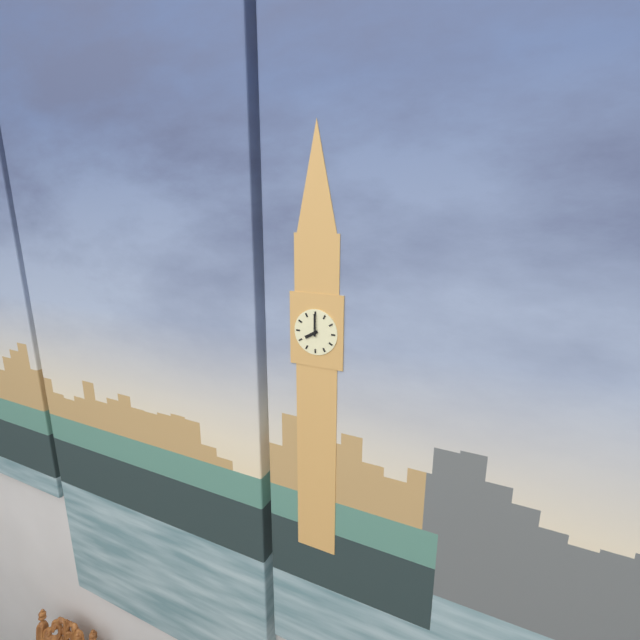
8:00
